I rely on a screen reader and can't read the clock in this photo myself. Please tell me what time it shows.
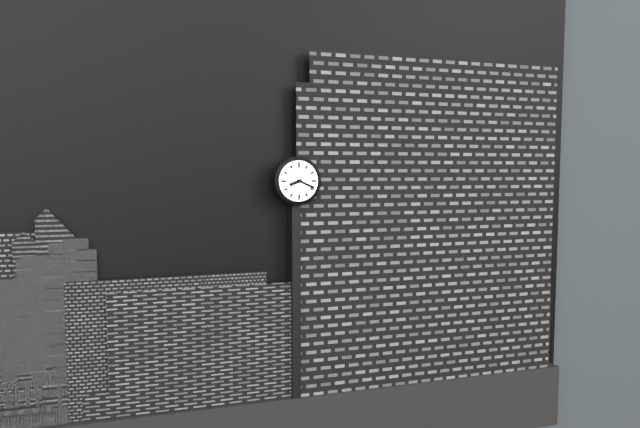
8:19
